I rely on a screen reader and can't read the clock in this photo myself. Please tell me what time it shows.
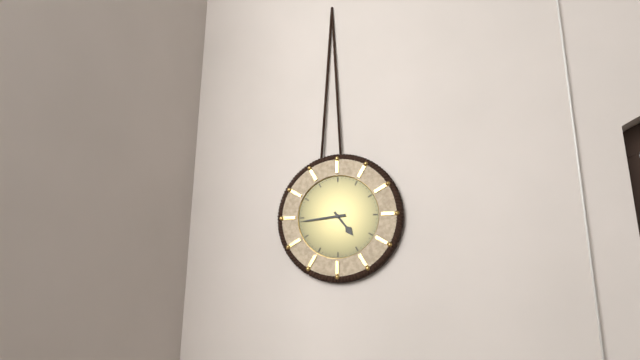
4:44
